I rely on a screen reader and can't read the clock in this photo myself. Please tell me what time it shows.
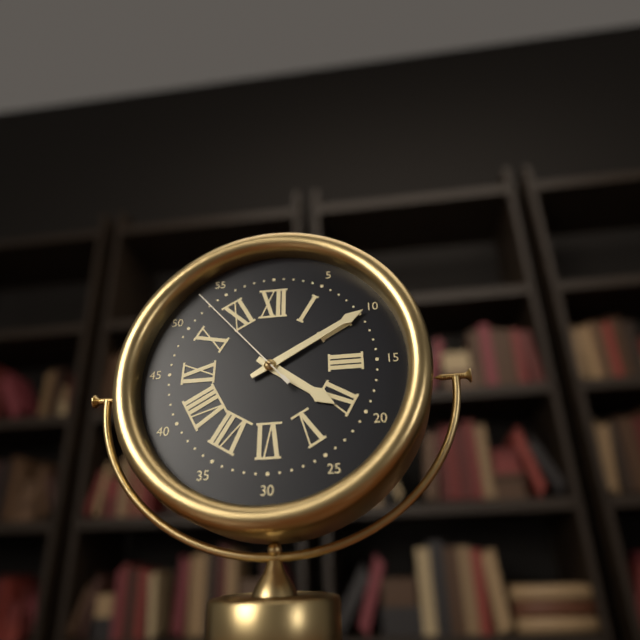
4:10:53
